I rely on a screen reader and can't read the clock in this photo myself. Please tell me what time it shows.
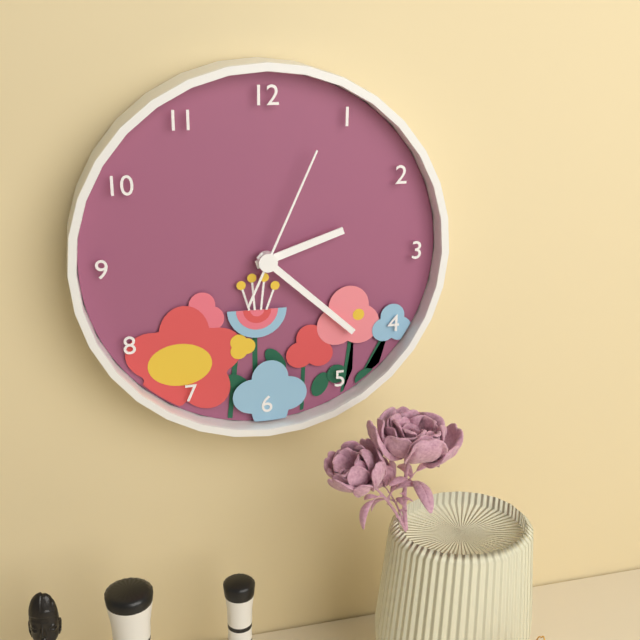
2:22:04
